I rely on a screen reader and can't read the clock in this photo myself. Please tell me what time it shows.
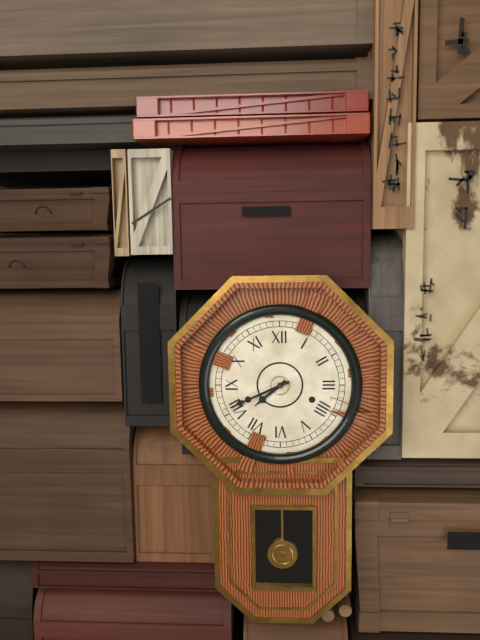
7:41
